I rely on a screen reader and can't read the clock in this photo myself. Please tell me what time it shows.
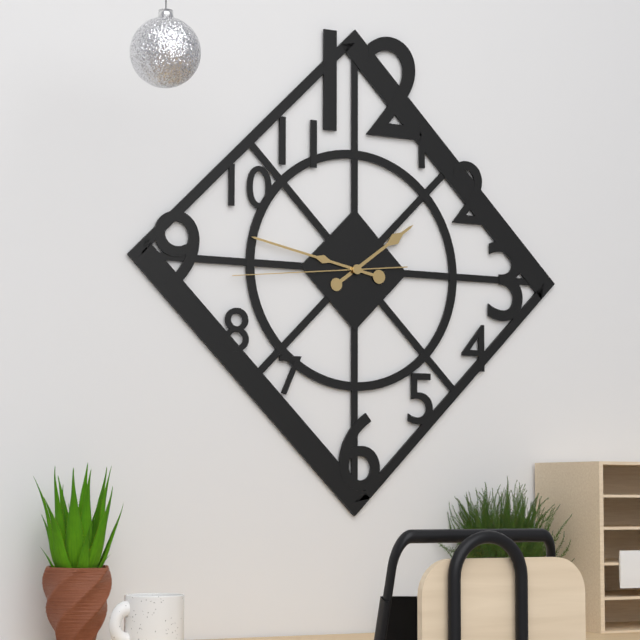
1:47:44
